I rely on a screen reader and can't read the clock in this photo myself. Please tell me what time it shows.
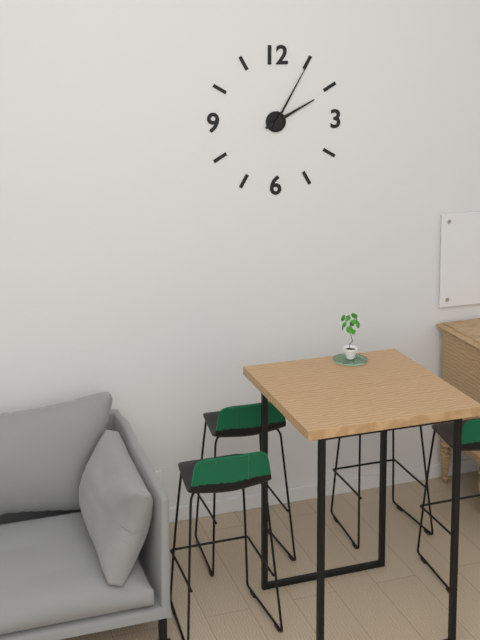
2:05
